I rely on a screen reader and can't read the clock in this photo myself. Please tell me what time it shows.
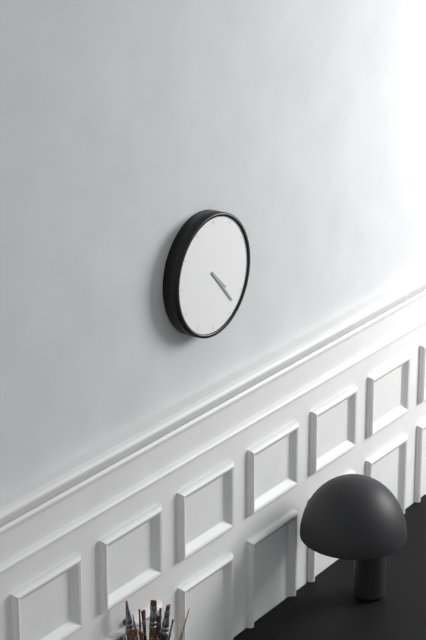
4:23
